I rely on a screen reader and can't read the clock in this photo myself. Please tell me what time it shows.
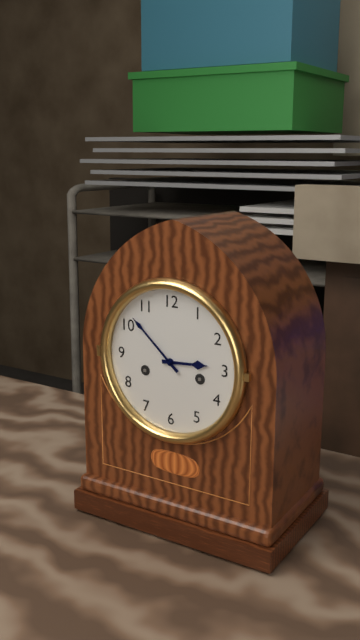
2:52
